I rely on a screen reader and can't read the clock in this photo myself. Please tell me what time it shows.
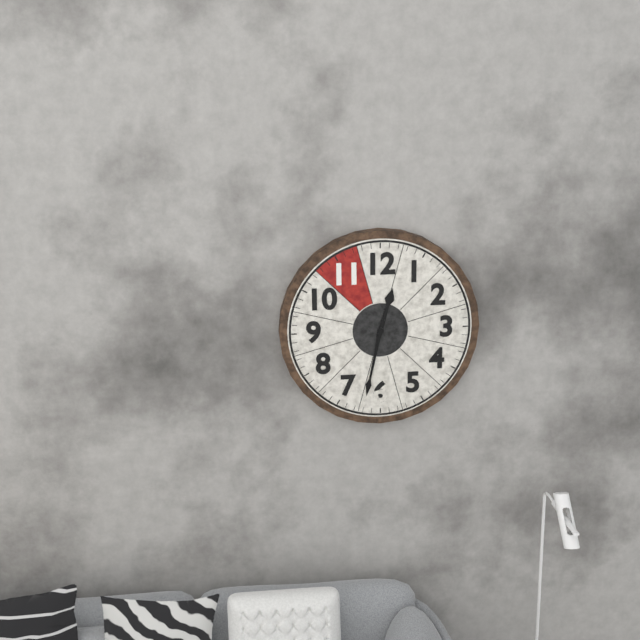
12:32
